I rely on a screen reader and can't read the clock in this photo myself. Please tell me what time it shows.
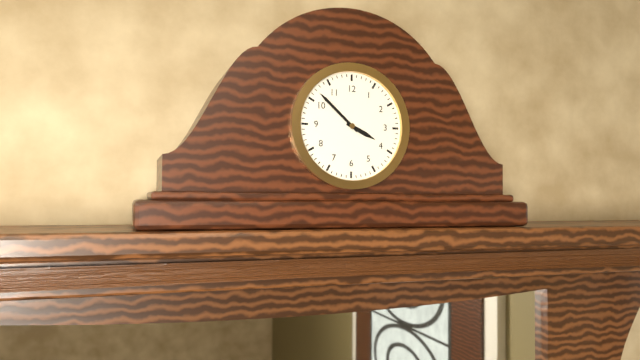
3:52
